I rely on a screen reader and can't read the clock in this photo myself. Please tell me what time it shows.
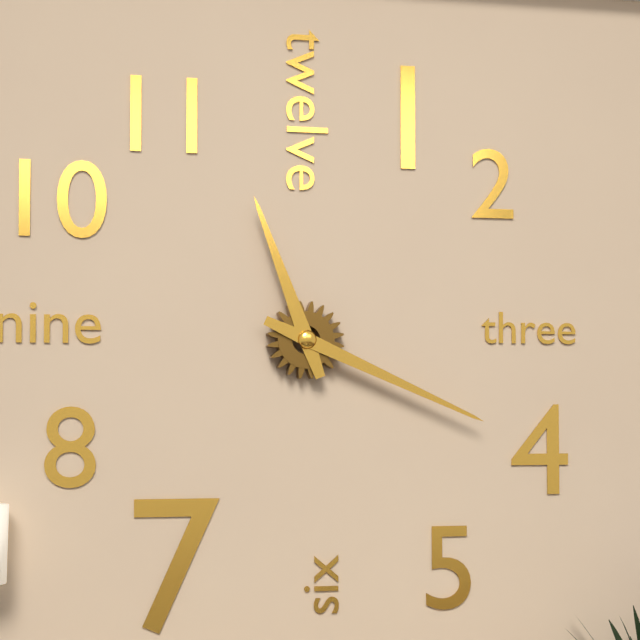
11:19
